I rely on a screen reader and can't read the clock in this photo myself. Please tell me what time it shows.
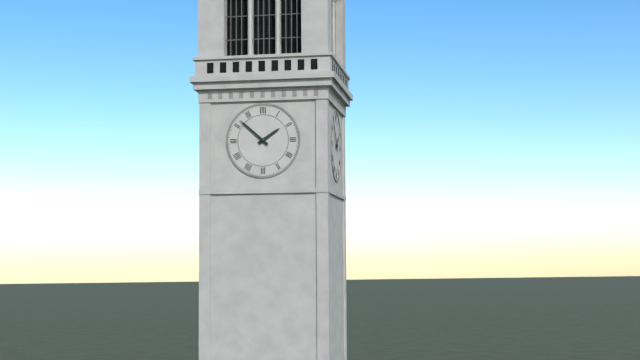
1:52
